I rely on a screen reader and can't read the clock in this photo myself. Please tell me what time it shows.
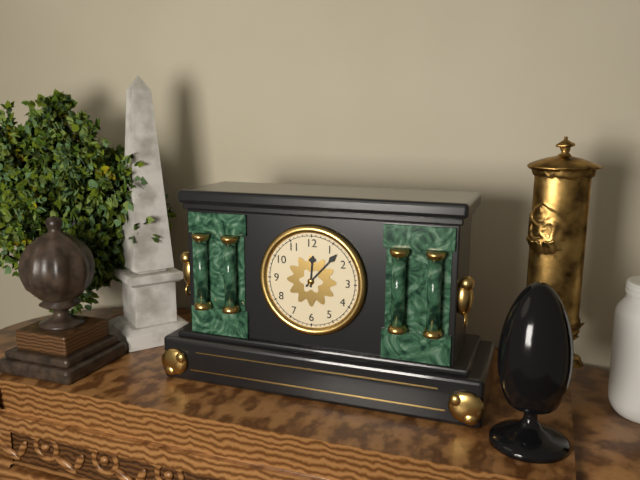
12:07
